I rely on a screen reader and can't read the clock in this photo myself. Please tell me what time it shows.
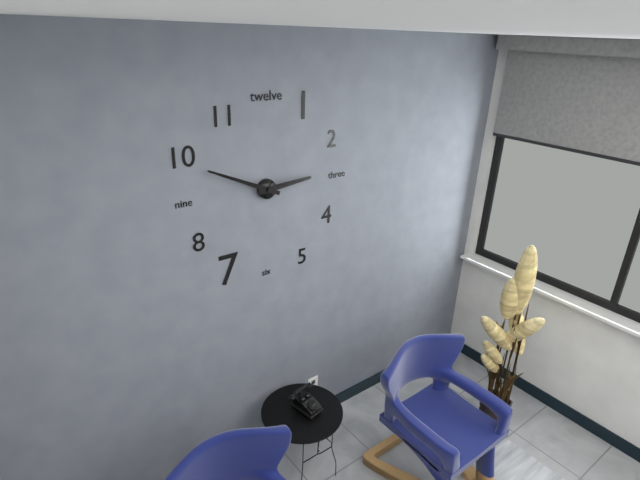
2:49
